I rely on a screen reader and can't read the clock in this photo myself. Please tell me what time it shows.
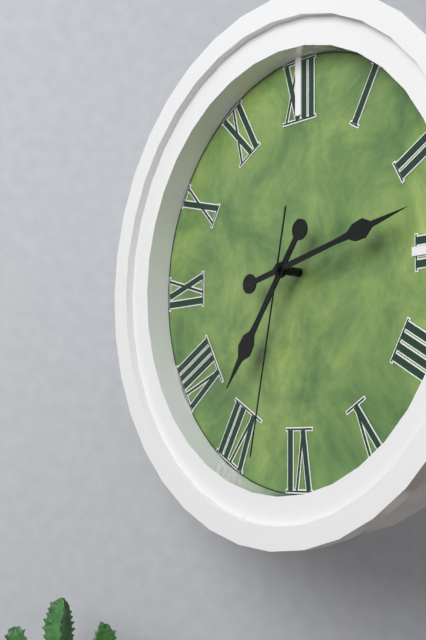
7:13:32
